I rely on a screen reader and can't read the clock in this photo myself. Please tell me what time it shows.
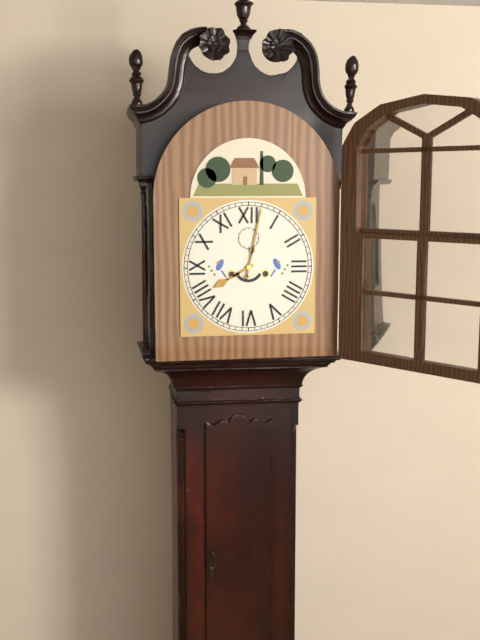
8:02
